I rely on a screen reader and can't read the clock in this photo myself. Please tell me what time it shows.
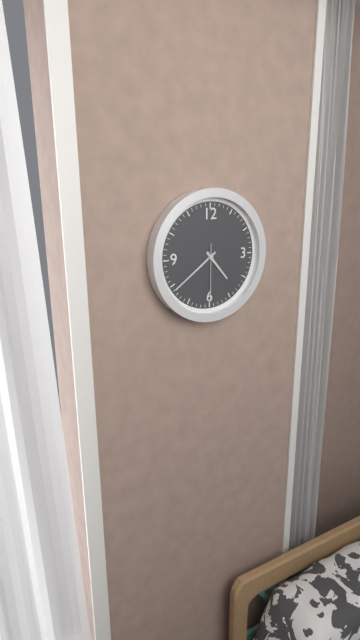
4:39:30
